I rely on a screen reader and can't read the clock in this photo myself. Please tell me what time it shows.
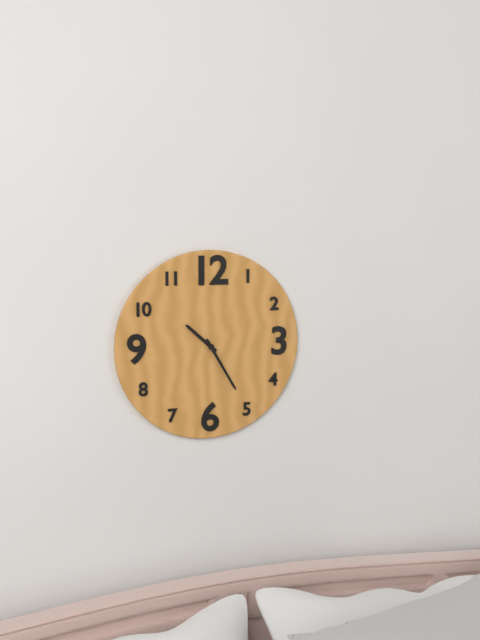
10:25
